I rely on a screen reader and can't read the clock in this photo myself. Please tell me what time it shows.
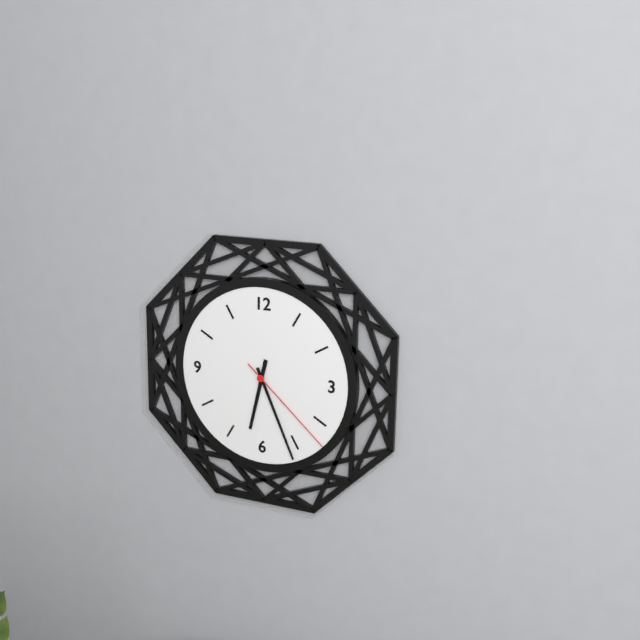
6:26:22
